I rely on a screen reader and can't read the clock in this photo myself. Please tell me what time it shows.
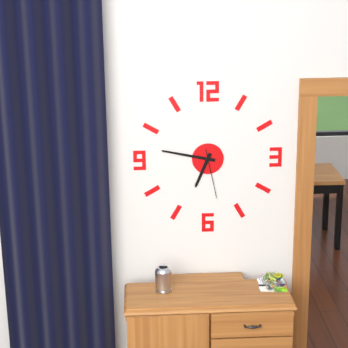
6:47
